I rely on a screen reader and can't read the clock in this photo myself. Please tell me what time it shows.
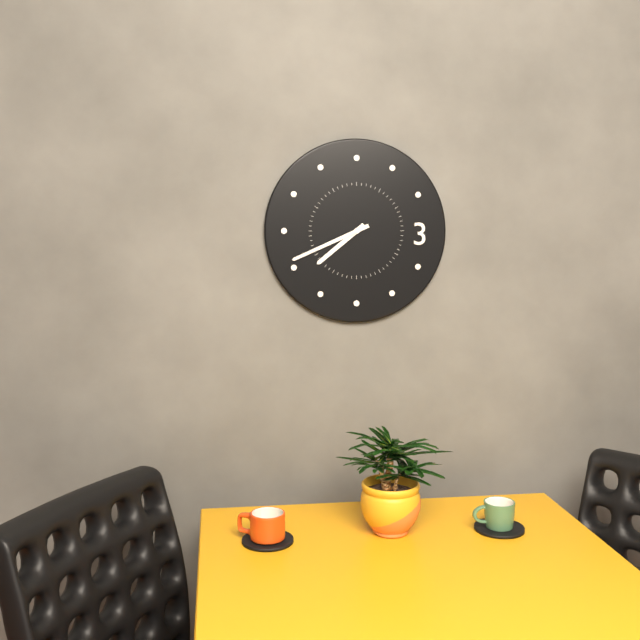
7:41
